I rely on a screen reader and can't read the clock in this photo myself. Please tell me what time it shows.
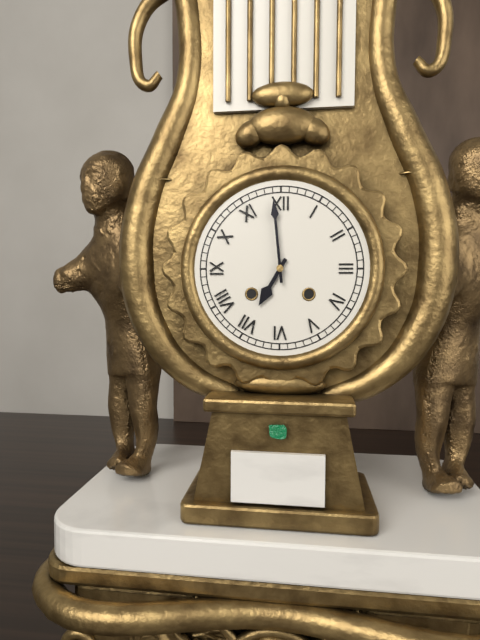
6:59
